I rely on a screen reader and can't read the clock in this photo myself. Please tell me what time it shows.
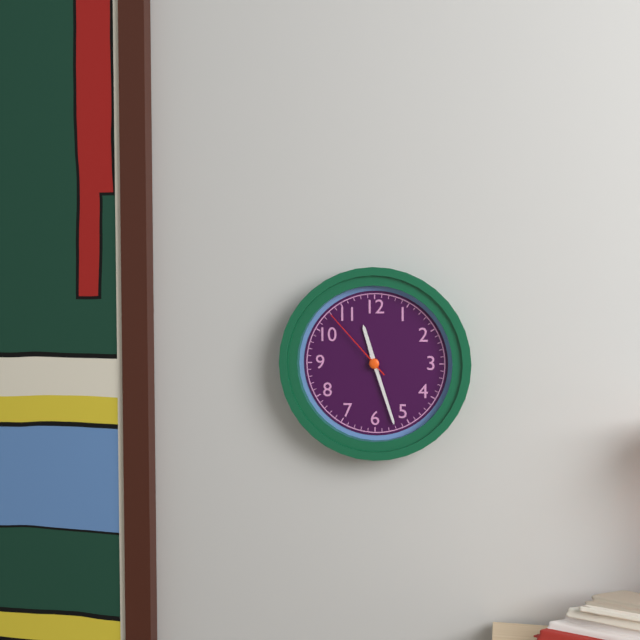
11:27:53
